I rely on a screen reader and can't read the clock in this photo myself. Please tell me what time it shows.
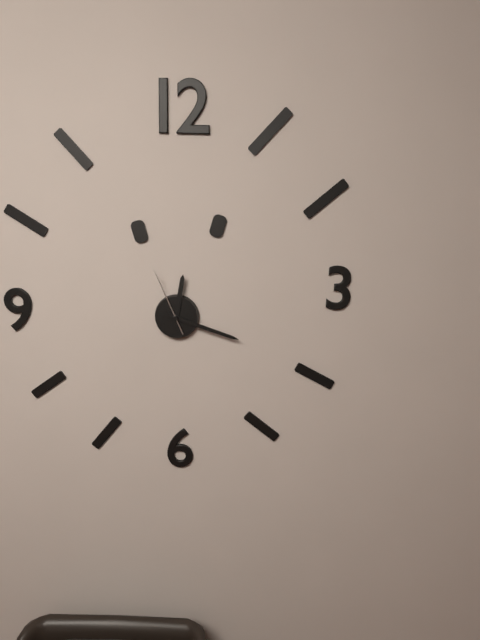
12:18:56
